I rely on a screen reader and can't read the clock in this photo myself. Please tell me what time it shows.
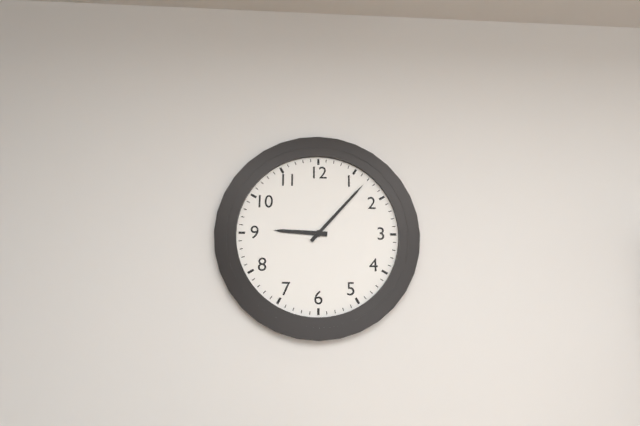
9:07
